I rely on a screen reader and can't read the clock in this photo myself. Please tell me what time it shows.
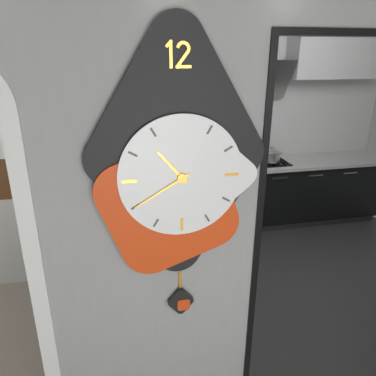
10:40
